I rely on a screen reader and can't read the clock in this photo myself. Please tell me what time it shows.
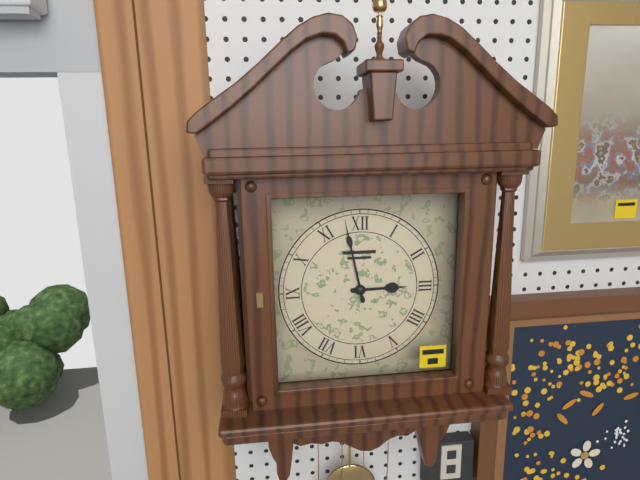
2:58
